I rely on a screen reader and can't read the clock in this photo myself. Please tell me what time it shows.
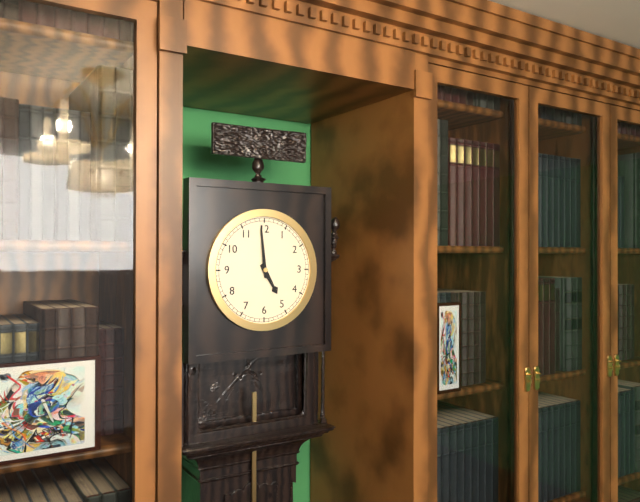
4:59
